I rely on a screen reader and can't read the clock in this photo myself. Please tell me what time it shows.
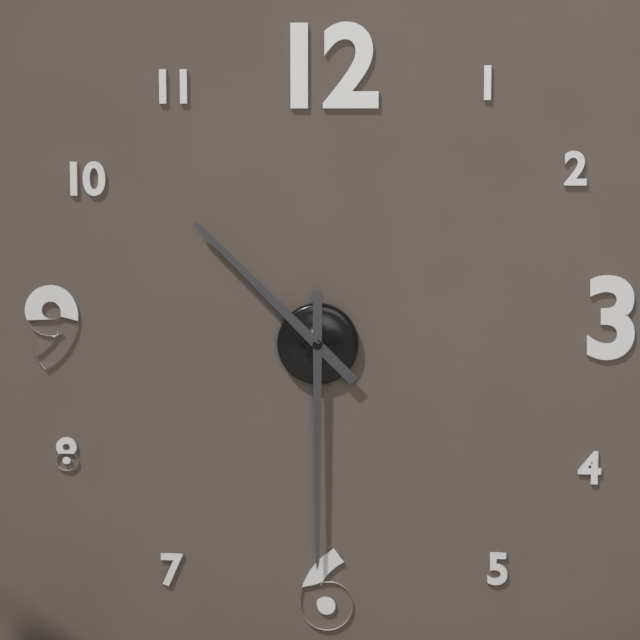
10:30
